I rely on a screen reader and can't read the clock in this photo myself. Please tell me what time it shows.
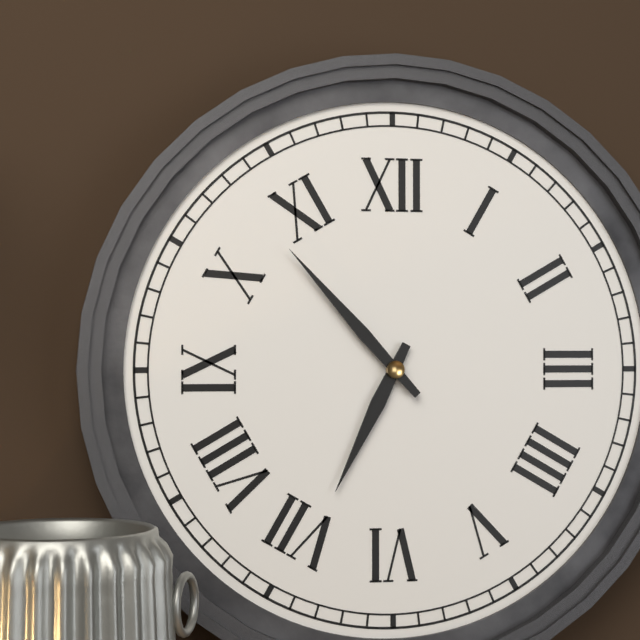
6:53
